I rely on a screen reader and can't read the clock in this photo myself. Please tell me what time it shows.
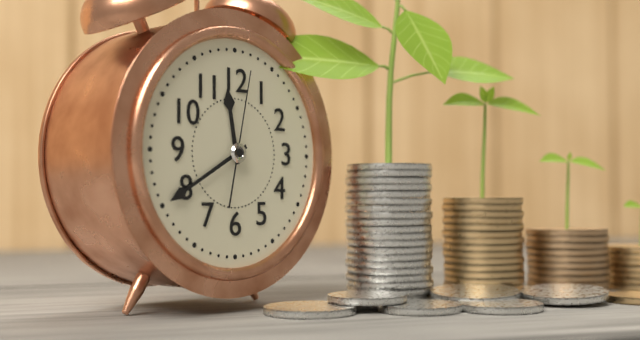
11:40:02
